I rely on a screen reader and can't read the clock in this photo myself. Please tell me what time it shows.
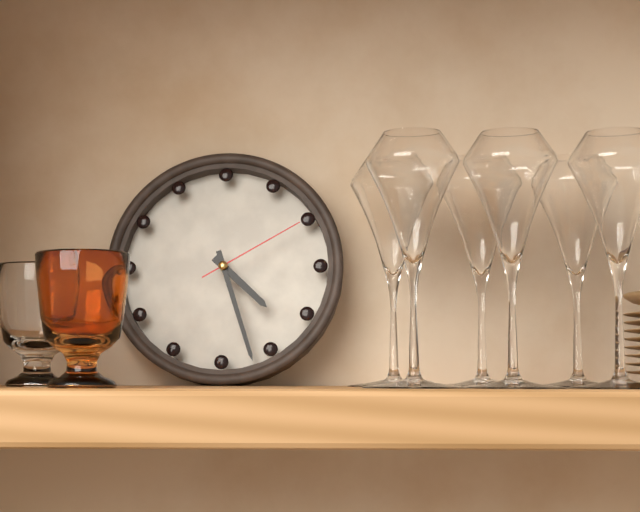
4:27:10
